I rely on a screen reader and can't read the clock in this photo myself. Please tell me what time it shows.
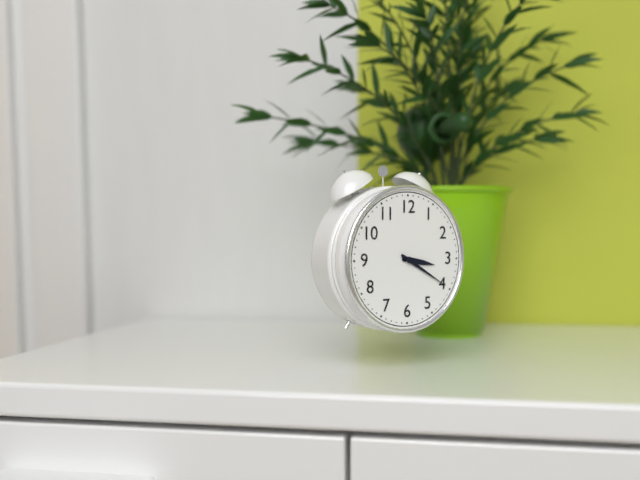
3:20
